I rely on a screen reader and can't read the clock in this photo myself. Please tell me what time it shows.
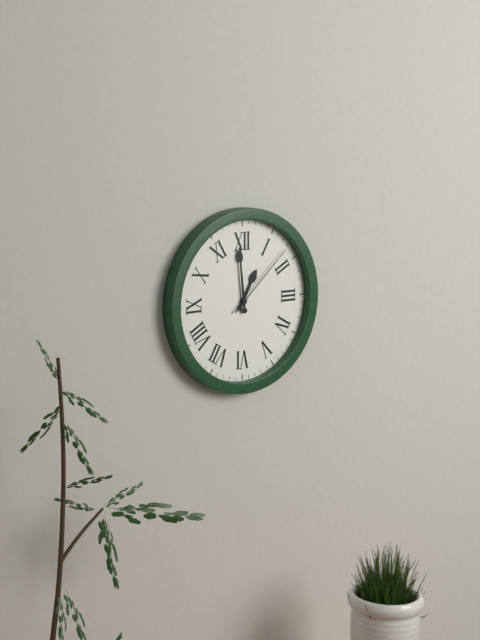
12:59:08
